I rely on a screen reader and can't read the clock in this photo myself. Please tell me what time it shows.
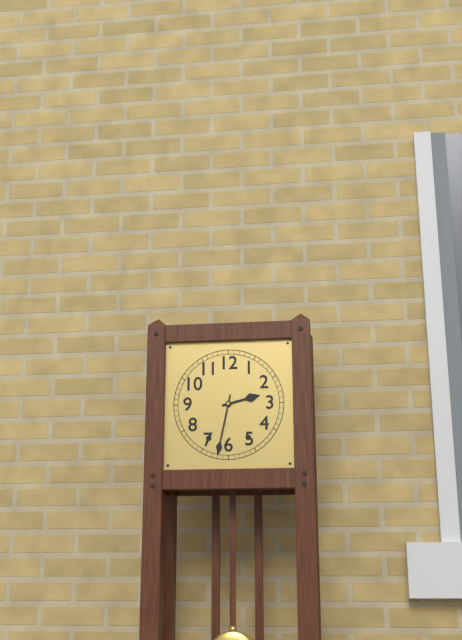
2:32
